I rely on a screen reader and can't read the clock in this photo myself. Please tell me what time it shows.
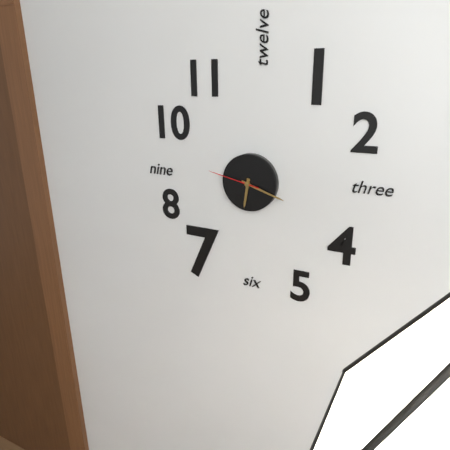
6:18:47
